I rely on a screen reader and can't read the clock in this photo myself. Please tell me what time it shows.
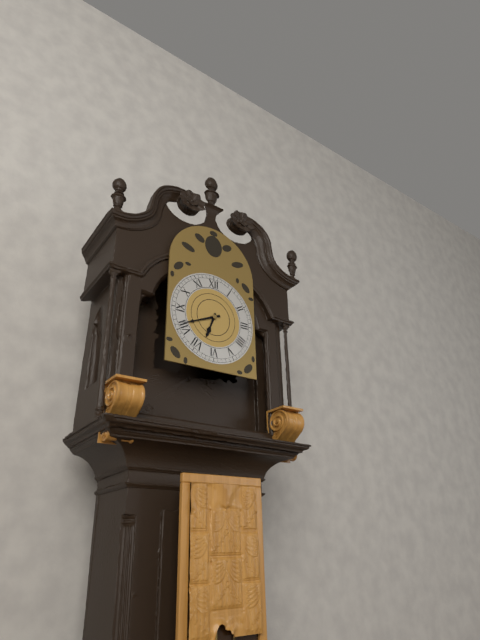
6:41
